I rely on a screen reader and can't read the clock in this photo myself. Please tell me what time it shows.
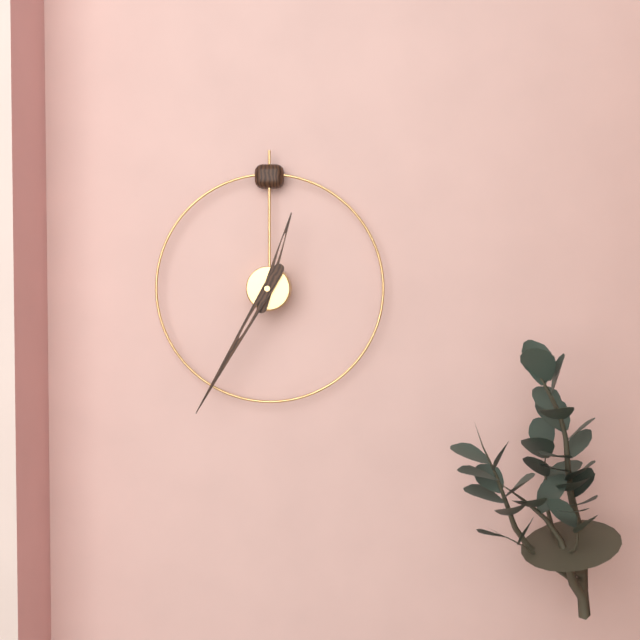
12:35
